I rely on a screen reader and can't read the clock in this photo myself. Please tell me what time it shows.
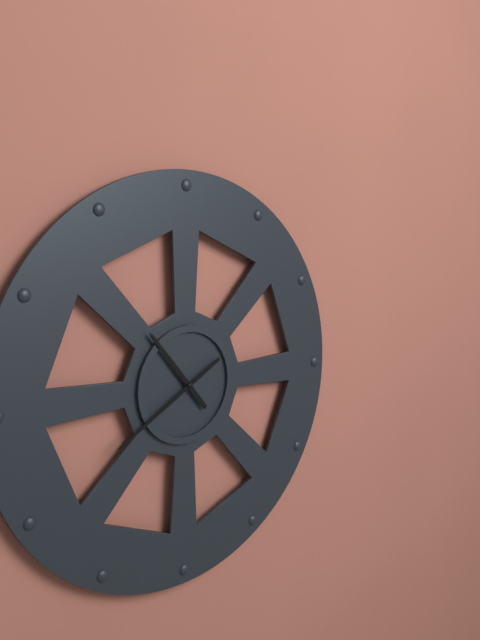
10:40
